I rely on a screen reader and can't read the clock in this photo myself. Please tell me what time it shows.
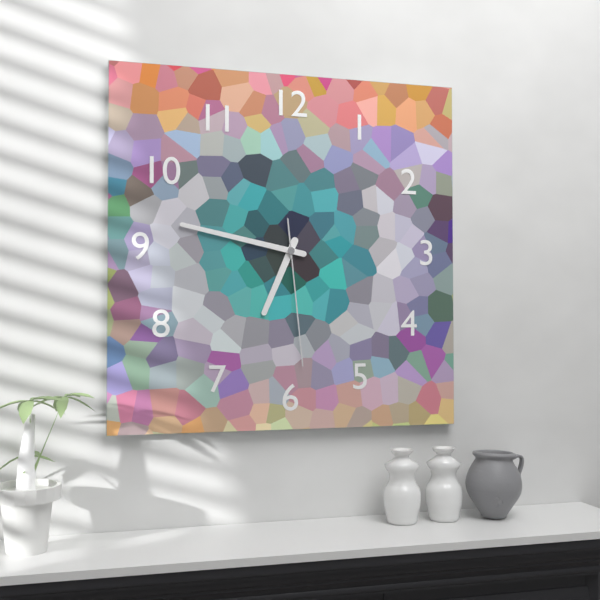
6:47:29
